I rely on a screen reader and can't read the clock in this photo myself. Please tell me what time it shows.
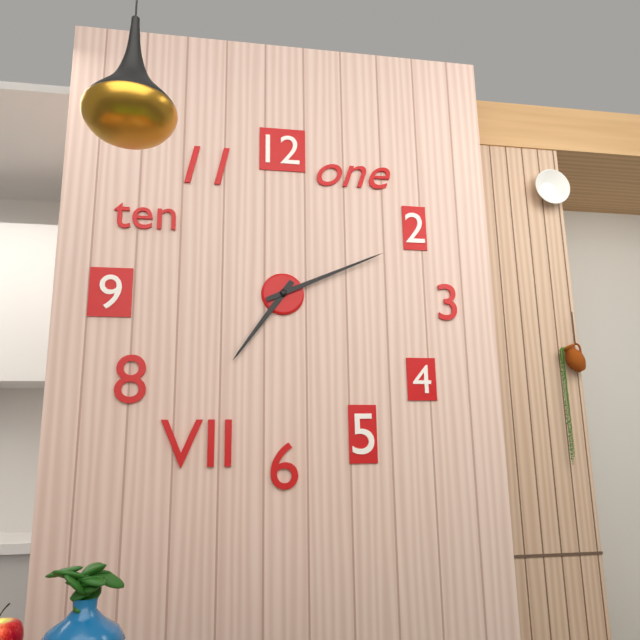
7:11
